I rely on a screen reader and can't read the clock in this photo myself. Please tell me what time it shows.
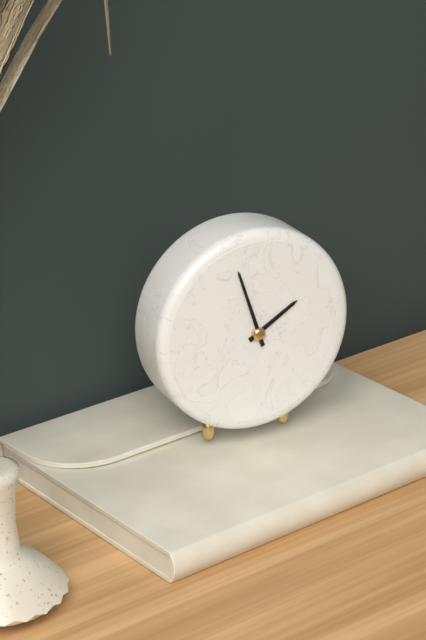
1:57
